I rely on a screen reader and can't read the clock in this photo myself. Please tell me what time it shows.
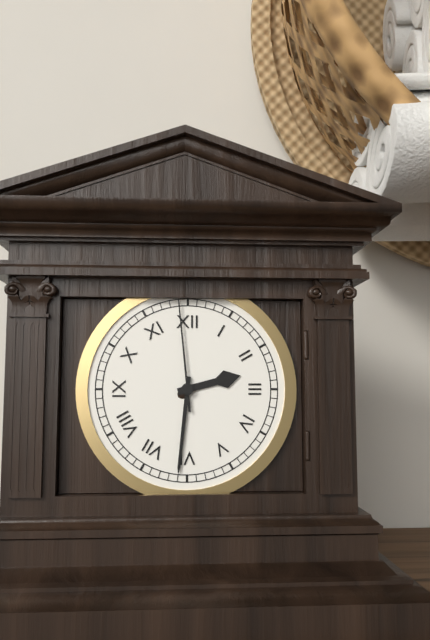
2:31:59
